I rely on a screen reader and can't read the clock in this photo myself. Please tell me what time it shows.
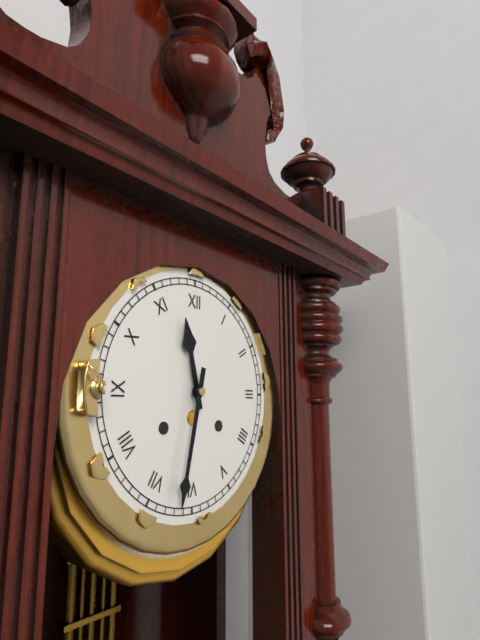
11:32
